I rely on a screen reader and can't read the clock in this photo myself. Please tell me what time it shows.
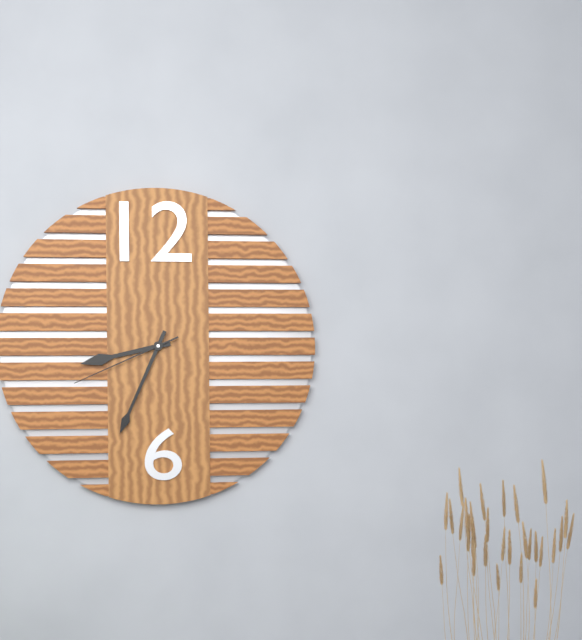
8:34:41
